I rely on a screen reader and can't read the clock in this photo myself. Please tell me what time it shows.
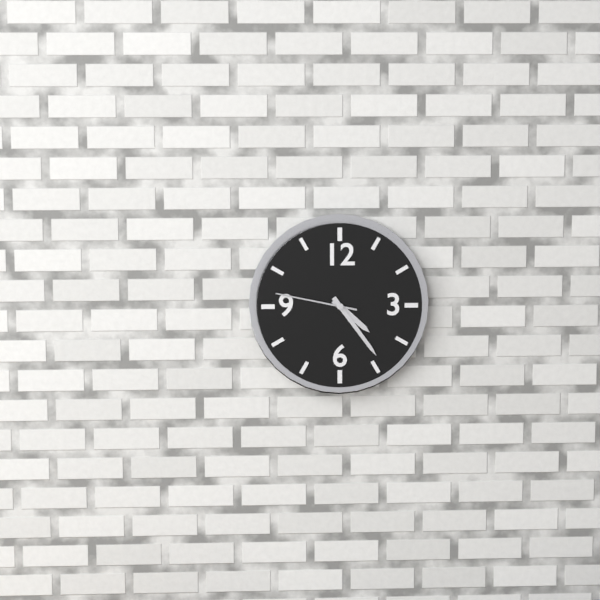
4:24:47
